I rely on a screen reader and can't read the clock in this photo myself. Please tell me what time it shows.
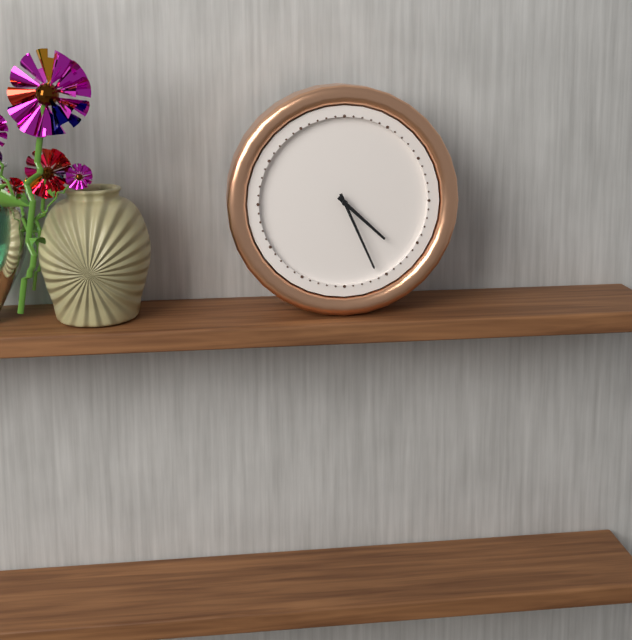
4:26
